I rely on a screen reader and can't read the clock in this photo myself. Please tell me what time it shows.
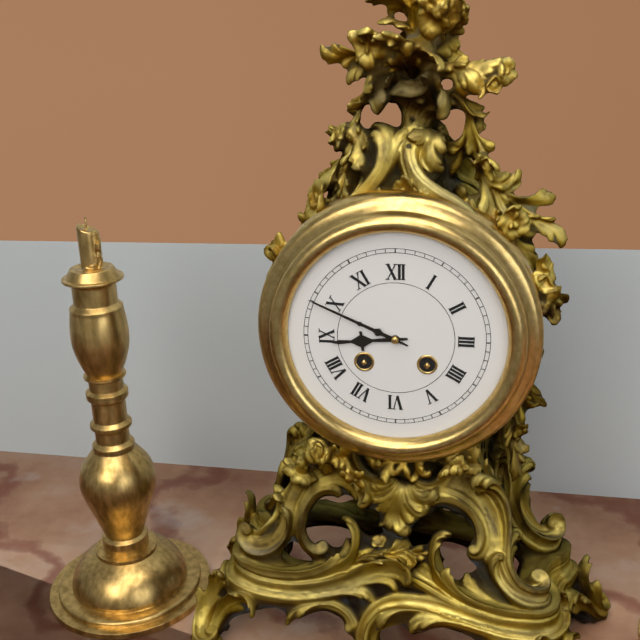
8:49
